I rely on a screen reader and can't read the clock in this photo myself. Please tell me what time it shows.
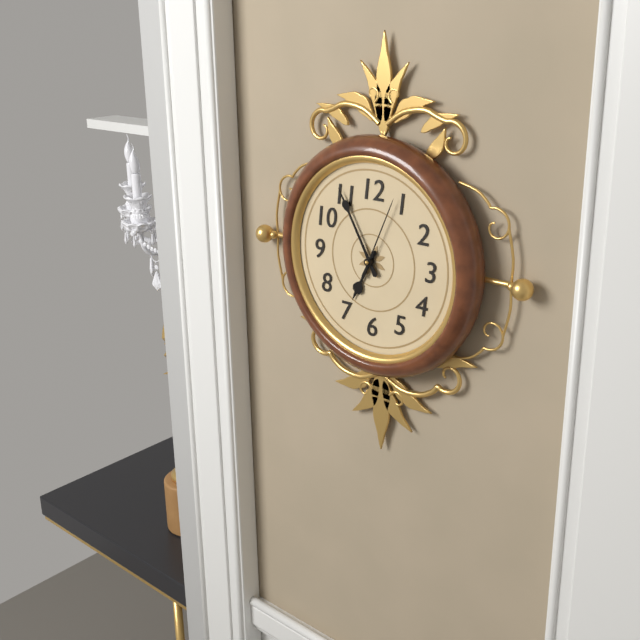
6:55:04
